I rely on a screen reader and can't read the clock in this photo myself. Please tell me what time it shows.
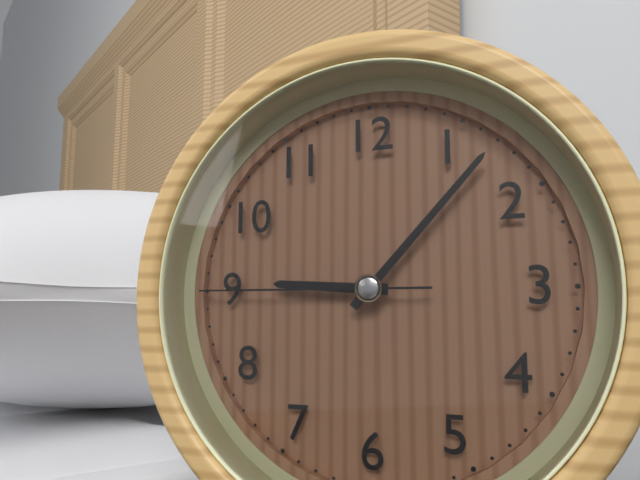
9:07:45
